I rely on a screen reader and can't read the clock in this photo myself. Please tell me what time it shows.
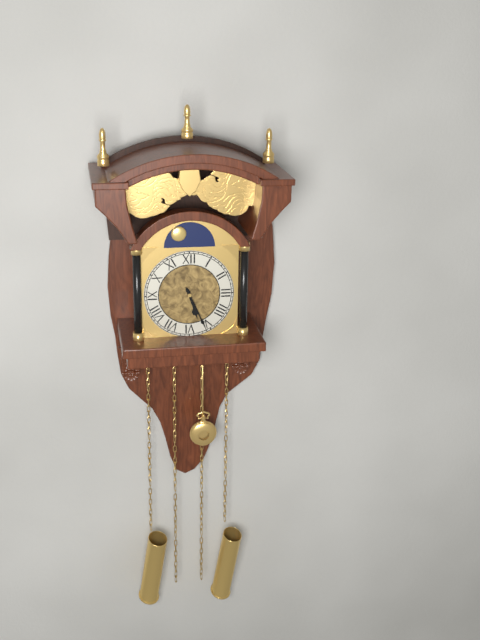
5:26
